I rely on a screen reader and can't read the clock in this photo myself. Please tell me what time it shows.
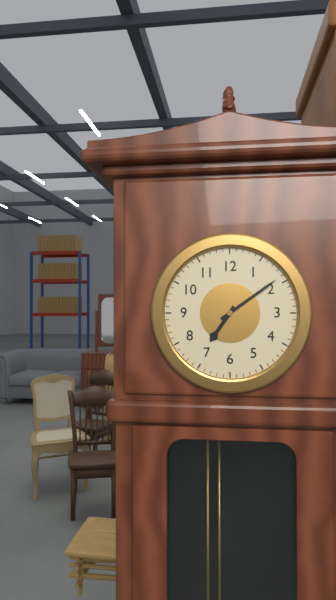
7:09
